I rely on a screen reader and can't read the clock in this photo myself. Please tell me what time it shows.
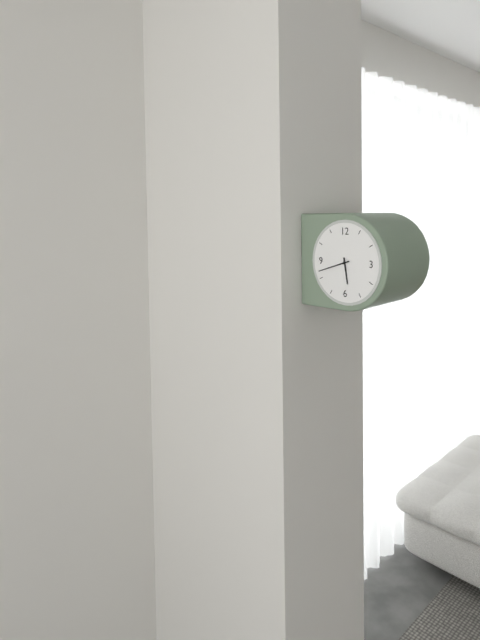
5:42
